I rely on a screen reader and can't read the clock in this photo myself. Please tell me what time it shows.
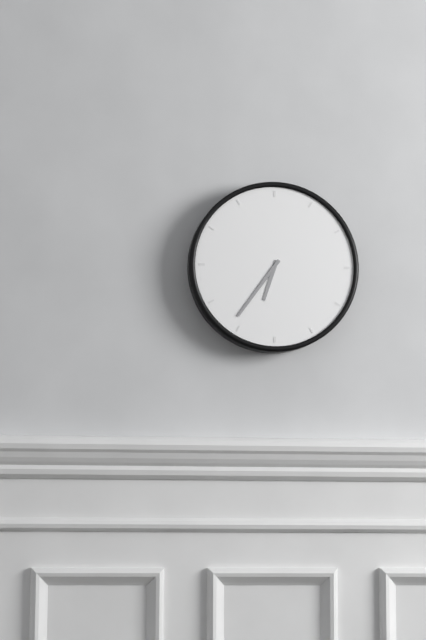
6:36
